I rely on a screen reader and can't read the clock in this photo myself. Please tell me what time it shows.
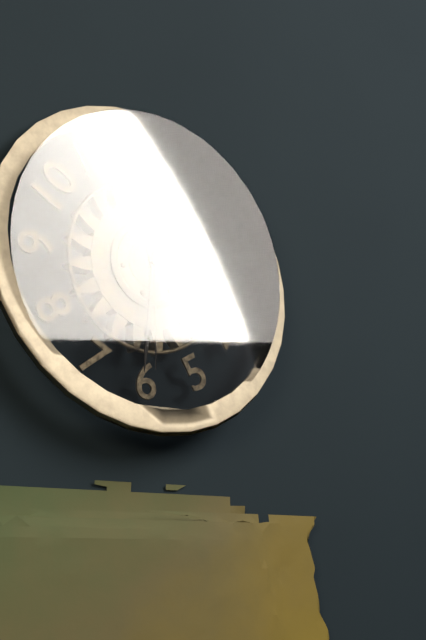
11:31:30
